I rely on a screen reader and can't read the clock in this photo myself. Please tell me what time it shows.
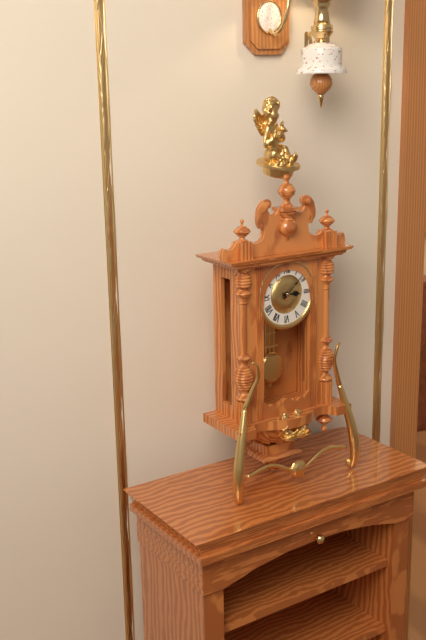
3:08
